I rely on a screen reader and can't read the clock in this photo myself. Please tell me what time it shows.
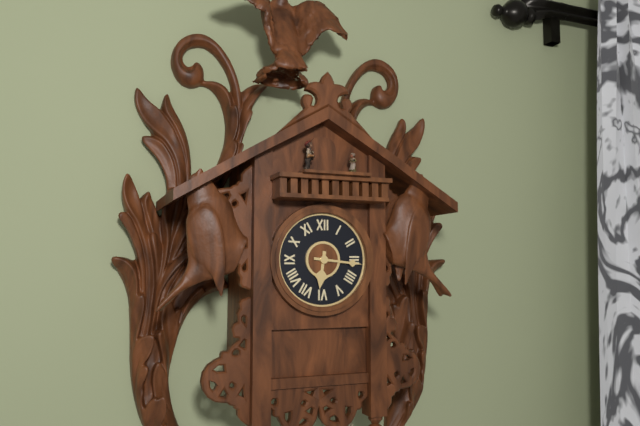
6:16
